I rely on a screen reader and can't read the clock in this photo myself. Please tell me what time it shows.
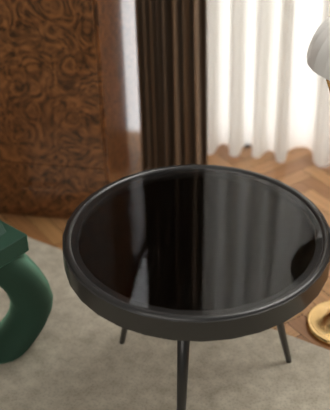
5:00
